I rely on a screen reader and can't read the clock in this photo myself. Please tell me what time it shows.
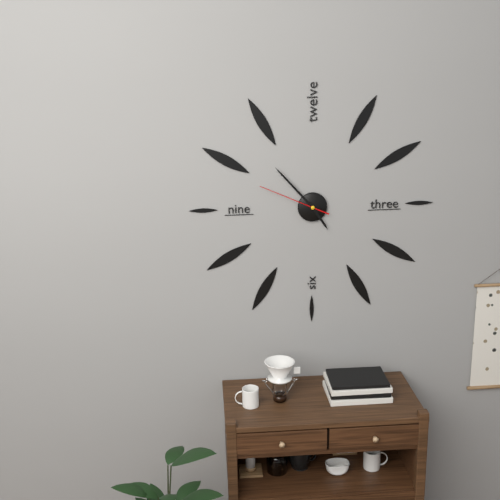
4:53:49
